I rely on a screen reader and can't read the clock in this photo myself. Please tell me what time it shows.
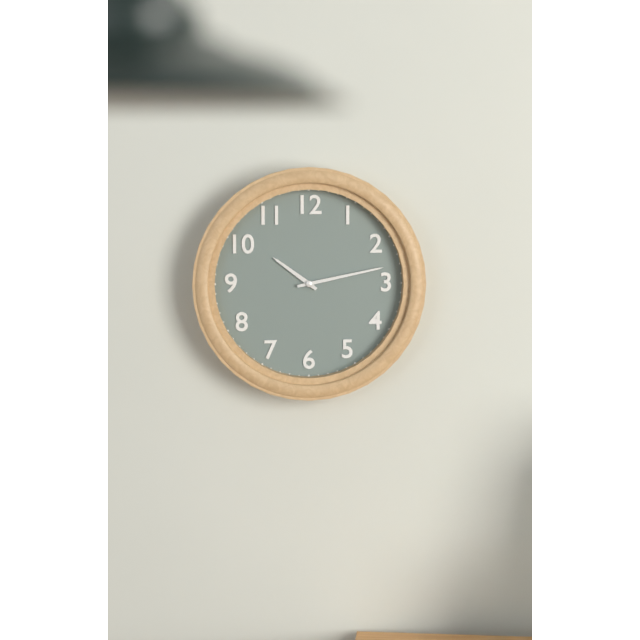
10:13
